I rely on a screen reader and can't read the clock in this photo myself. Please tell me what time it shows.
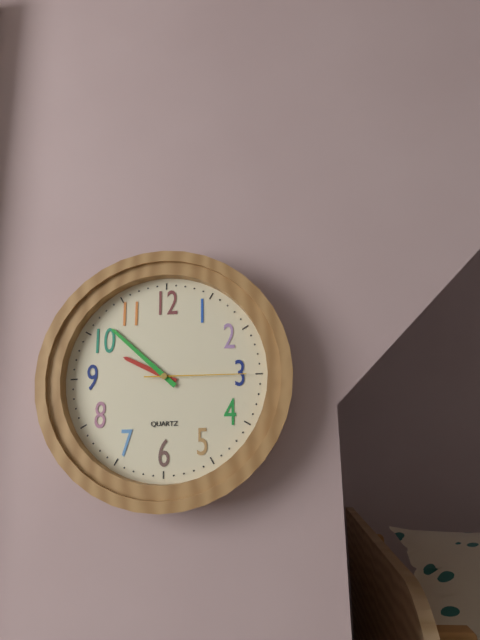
9:52:15
